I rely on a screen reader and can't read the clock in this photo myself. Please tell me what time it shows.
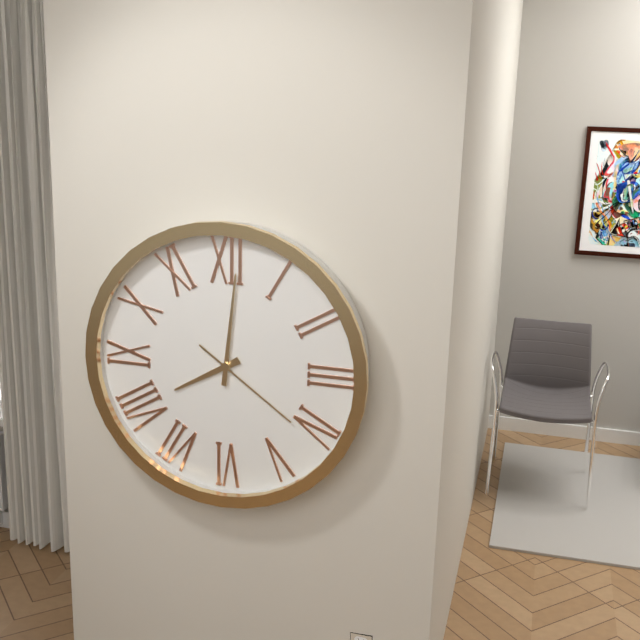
8:01:21
